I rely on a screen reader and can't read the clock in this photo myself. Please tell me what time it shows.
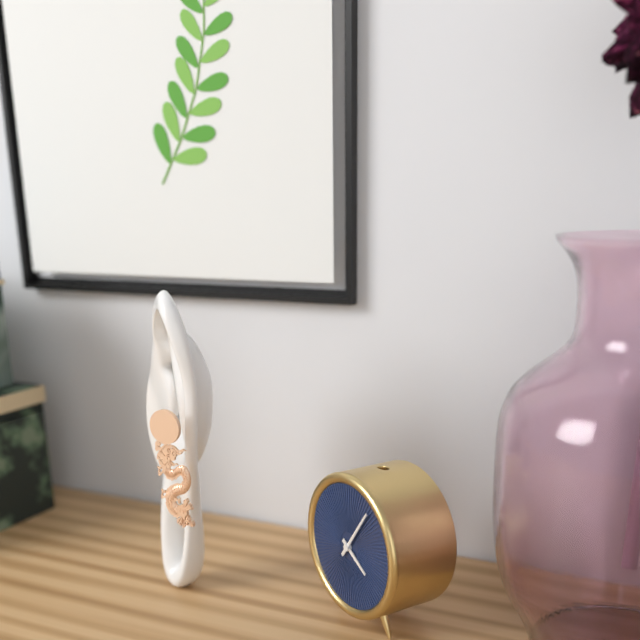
4:06
